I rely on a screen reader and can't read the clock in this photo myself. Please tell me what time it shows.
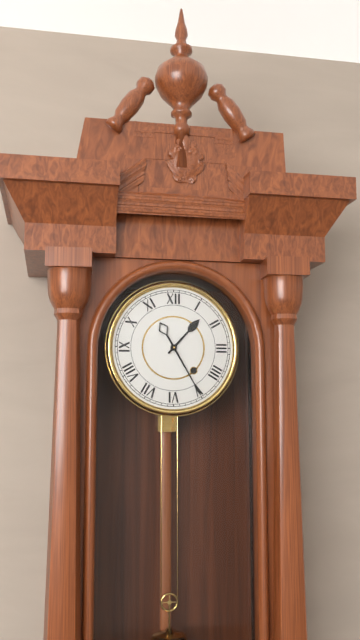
1:25
